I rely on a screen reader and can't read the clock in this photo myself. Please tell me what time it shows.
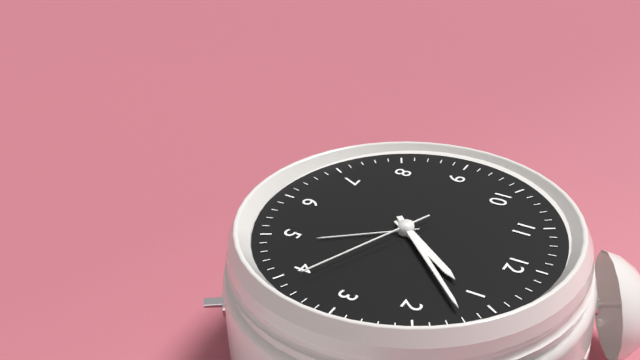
1:07:19
